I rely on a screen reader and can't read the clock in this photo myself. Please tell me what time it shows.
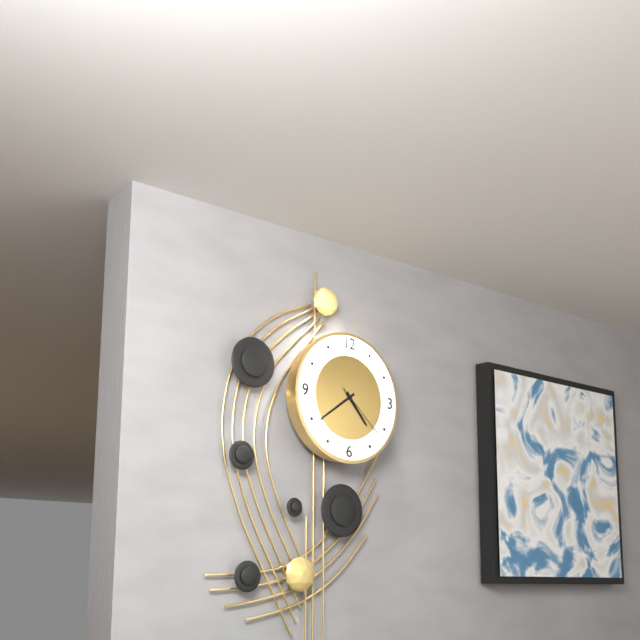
4:39:22
